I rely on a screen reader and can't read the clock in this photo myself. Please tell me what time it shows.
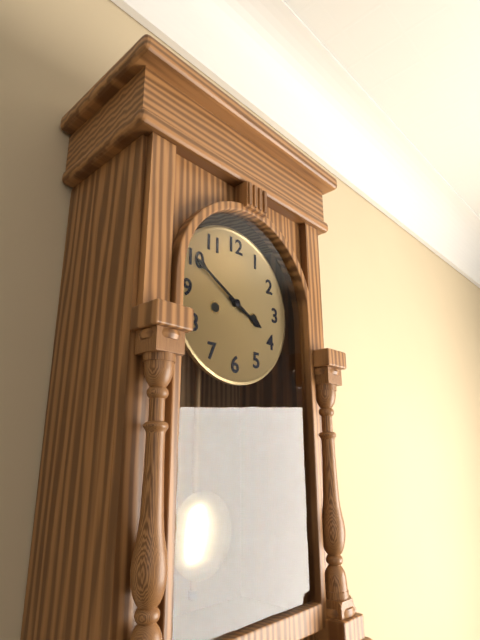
3:50
